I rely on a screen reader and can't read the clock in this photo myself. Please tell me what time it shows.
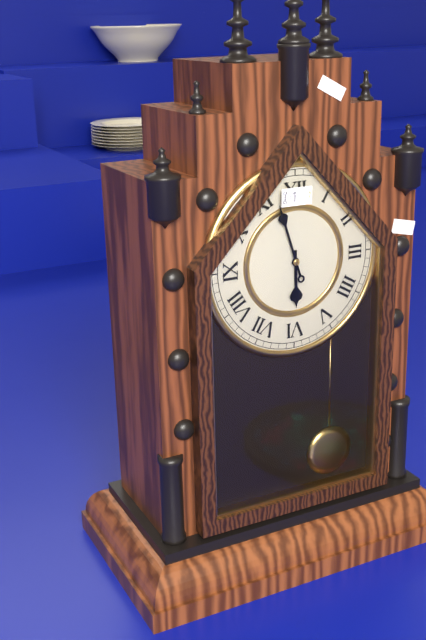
5:57
